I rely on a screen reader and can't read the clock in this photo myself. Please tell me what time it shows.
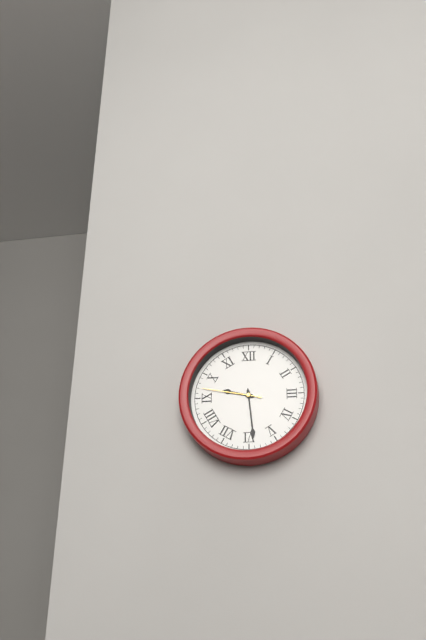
9:29:47
